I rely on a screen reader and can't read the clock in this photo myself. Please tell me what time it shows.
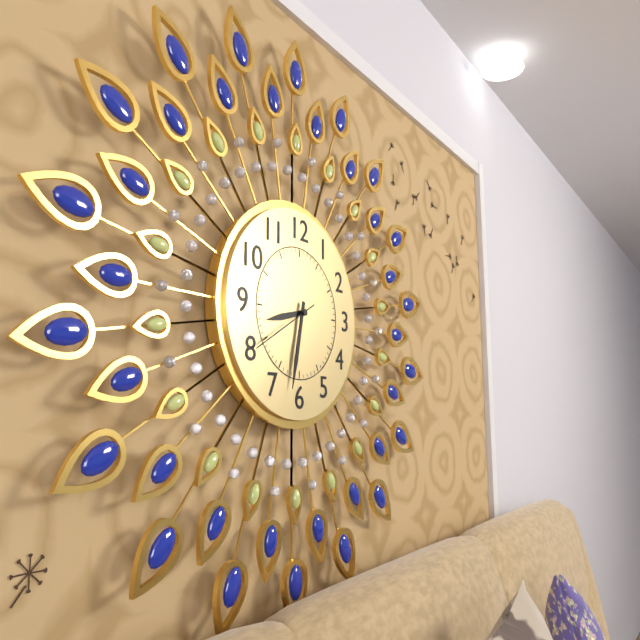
8:32:40
